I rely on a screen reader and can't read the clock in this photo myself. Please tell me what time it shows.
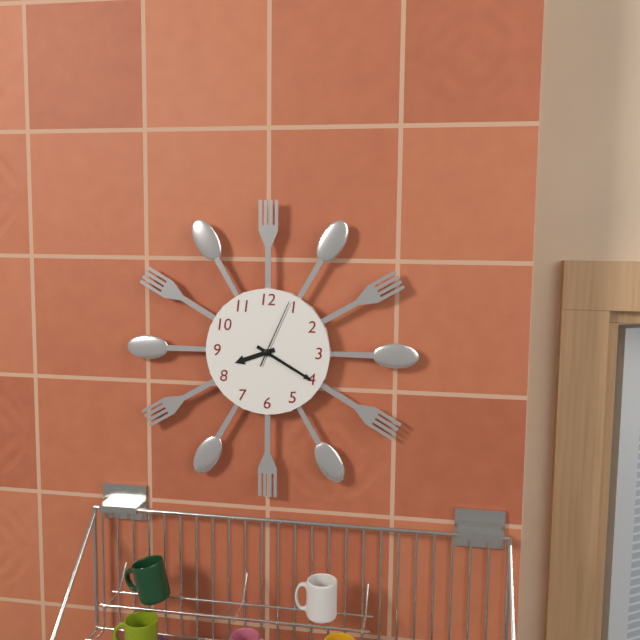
8:20:04
